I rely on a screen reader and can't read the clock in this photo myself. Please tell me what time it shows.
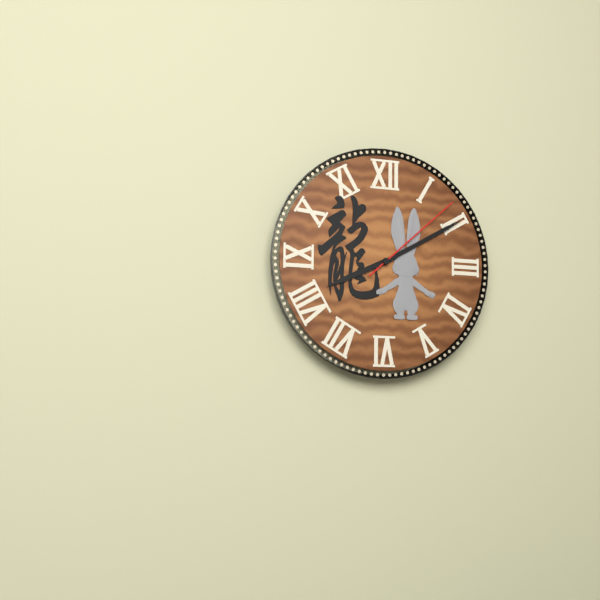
8:10:08
